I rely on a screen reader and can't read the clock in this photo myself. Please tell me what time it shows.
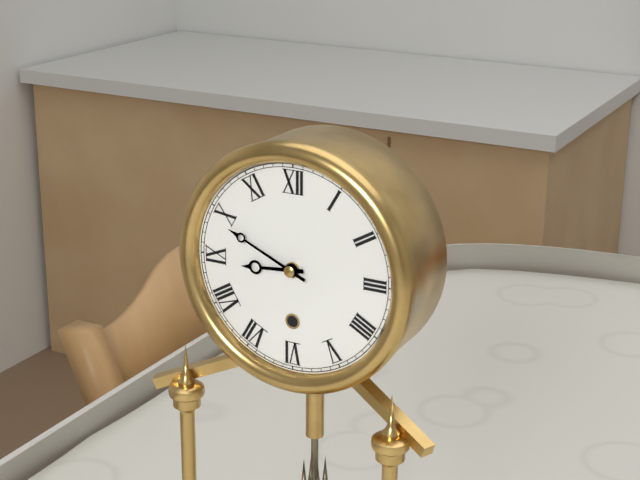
8:49
